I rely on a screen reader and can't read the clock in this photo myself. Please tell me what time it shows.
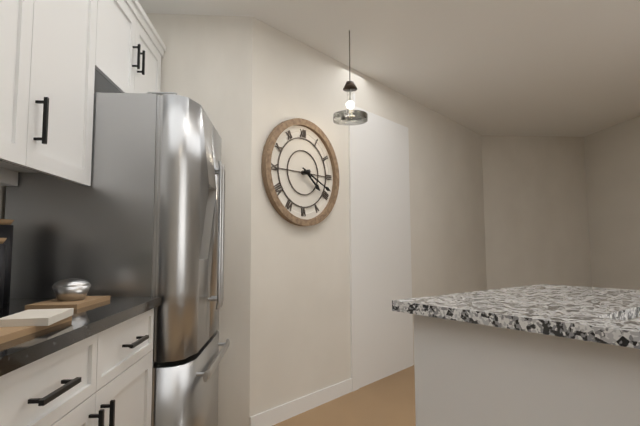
4:19
